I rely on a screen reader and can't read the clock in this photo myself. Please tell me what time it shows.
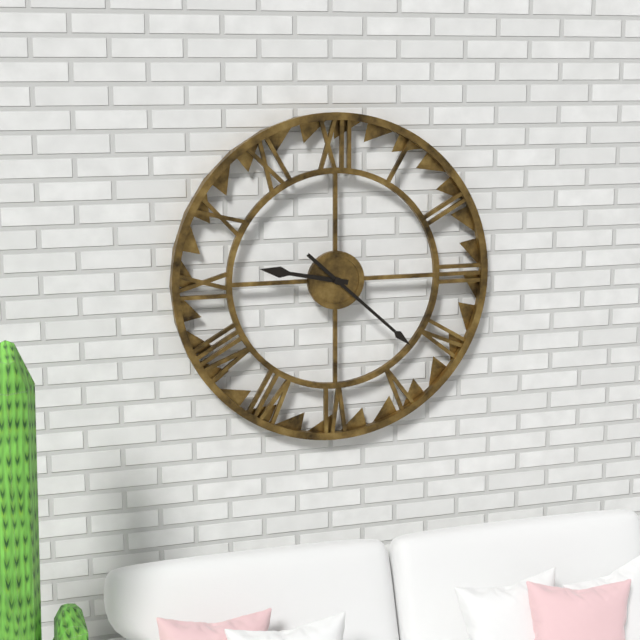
9:22
